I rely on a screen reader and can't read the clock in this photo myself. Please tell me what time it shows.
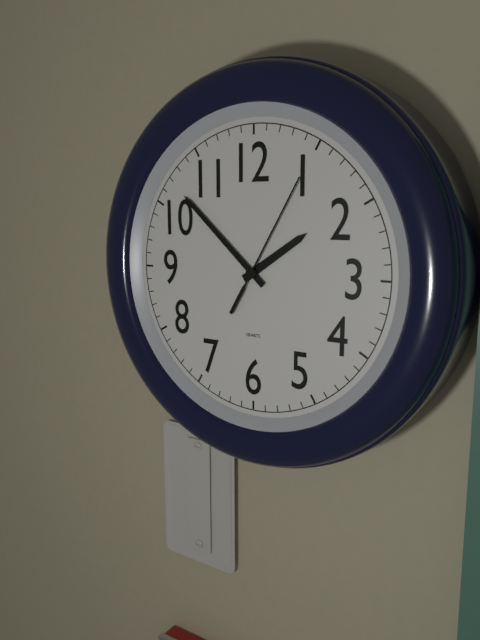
1:52:05
